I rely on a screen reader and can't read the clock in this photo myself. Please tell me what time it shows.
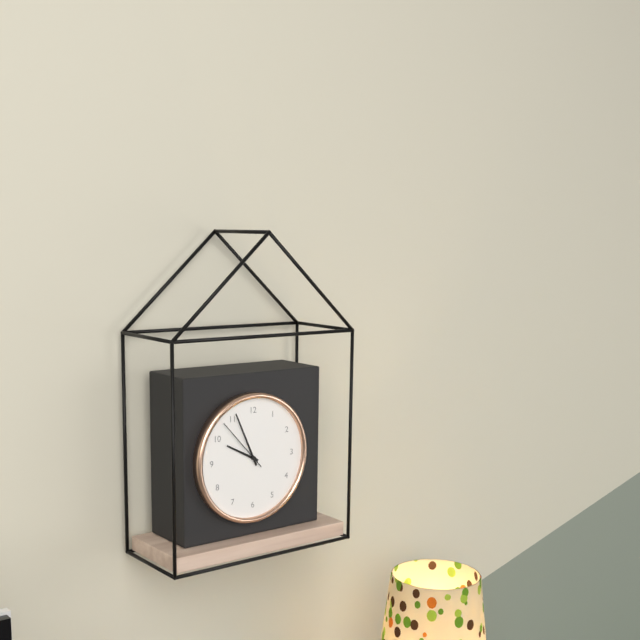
9:56:53
